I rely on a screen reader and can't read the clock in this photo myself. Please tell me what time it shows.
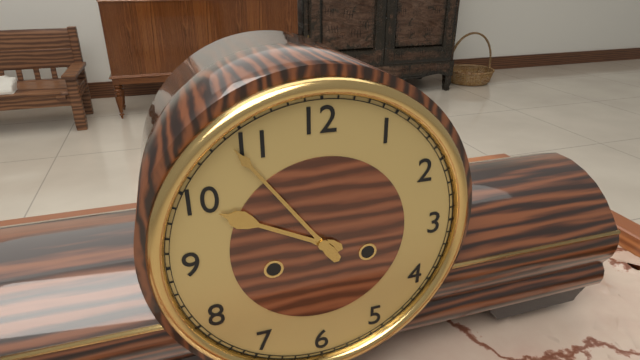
9:54
